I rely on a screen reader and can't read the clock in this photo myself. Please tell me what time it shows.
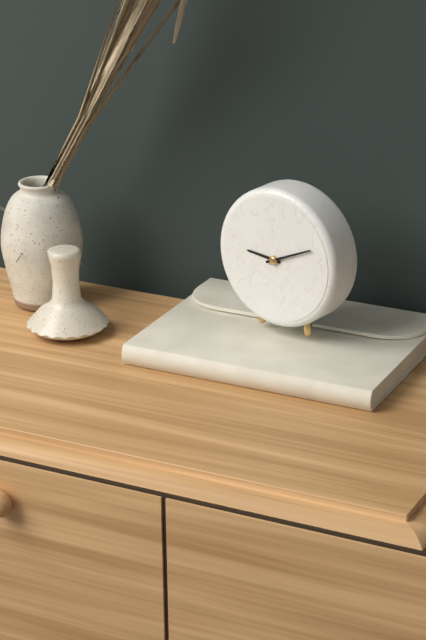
9:11
